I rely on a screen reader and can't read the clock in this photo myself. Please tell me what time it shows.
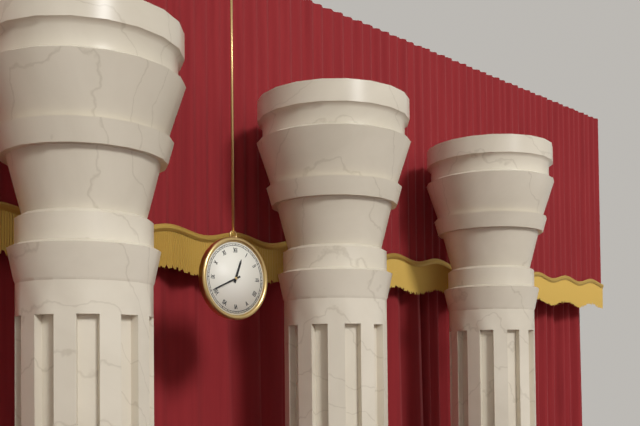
12:41
